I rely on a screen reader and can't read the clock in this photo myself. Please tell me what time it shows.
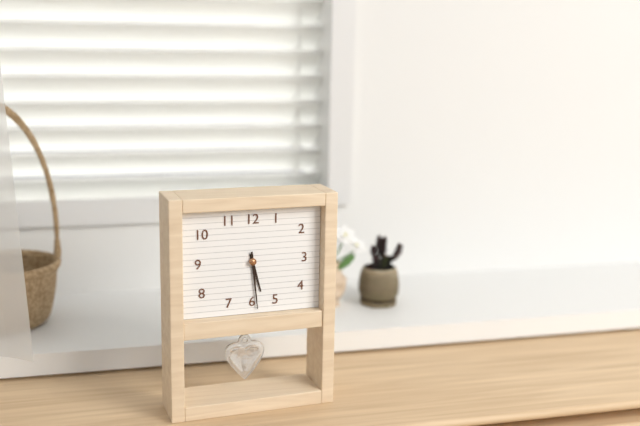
5:29
